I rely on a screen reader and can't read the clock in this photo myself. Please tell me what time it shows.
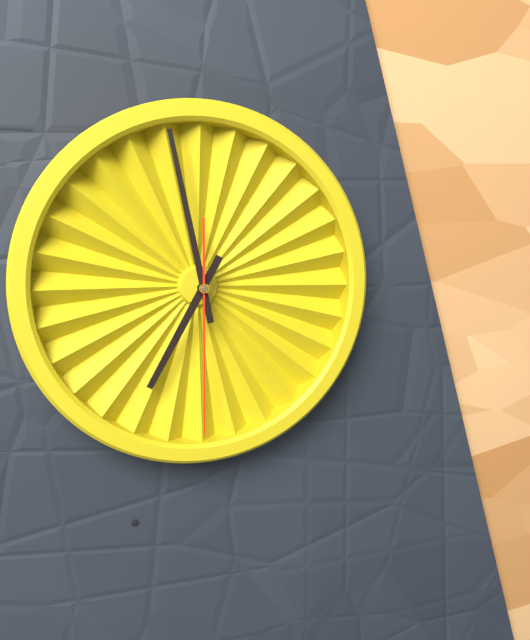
6:58:30
